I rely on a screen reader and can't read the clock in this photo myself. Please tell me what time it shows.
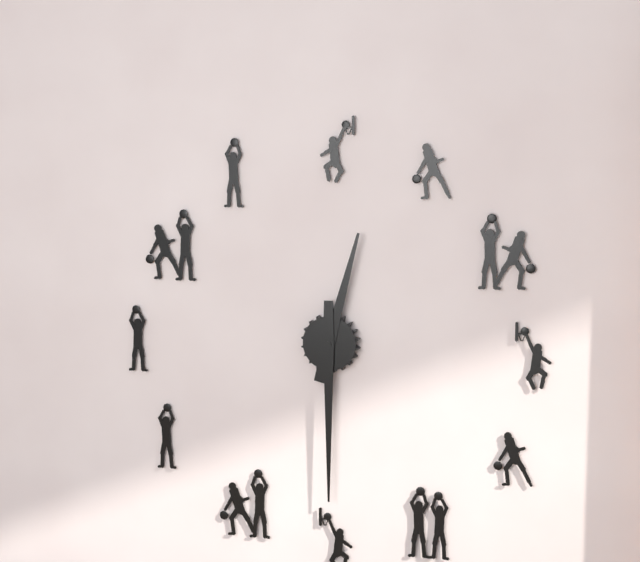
12:30
